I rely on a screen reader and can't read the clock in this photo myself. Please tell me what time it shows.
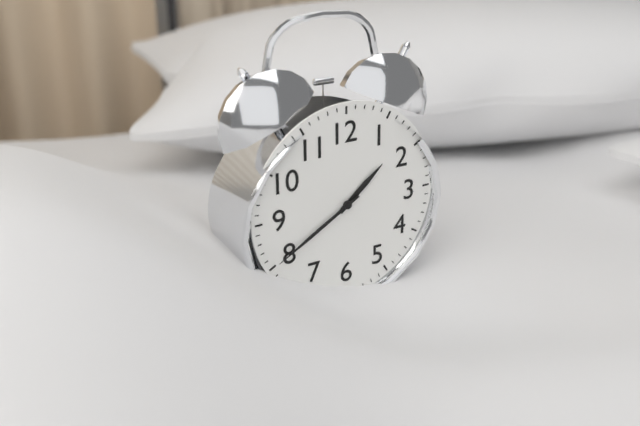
1:40
